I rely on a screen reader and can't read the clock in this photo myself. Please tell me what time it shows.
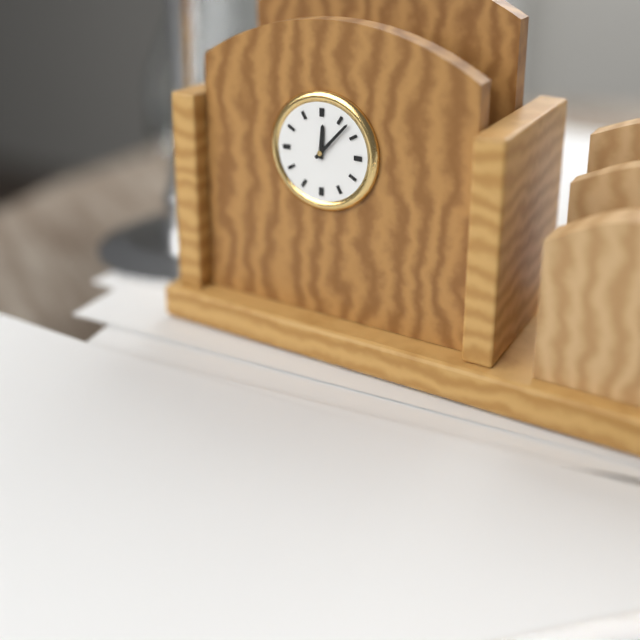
12:07
